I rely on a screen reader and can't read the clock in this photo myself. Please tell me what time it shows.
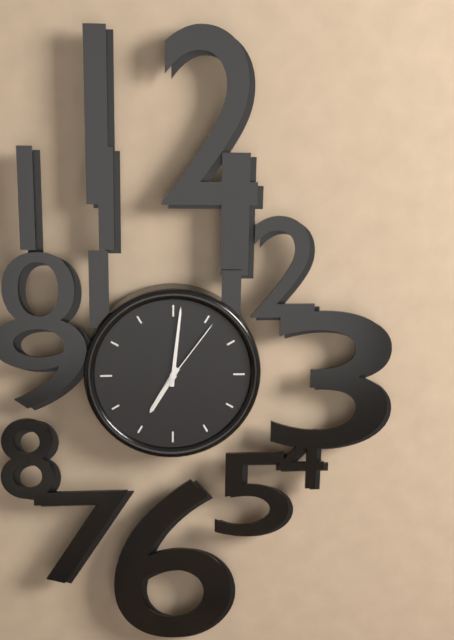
7:01:06
